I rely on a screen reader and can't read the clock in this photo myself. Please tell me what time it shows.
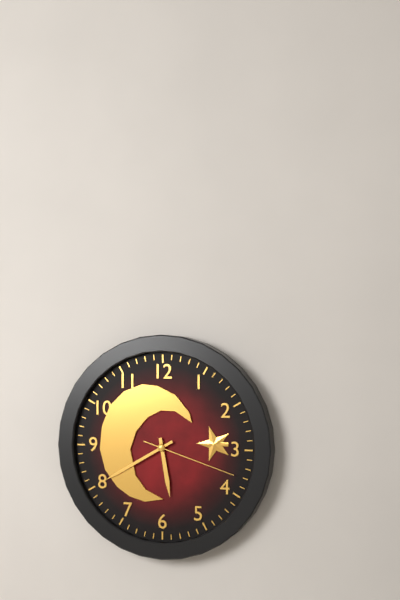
5:40:18
